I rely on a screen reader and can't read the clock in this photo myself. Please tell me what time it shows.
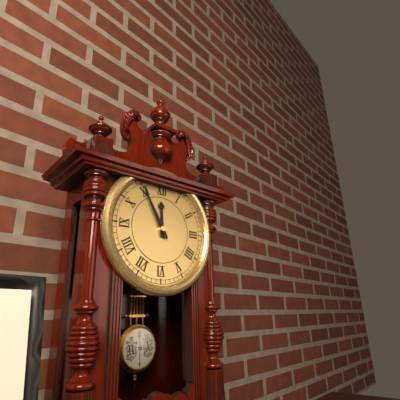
11:55
